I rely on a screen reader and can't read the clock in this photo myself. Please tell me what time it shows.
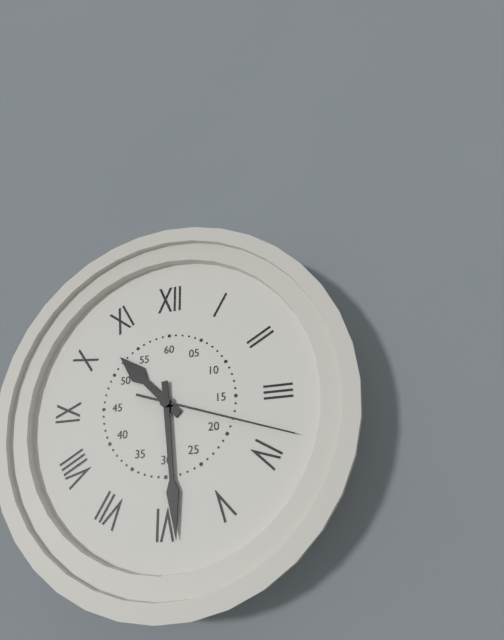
10:29:18
